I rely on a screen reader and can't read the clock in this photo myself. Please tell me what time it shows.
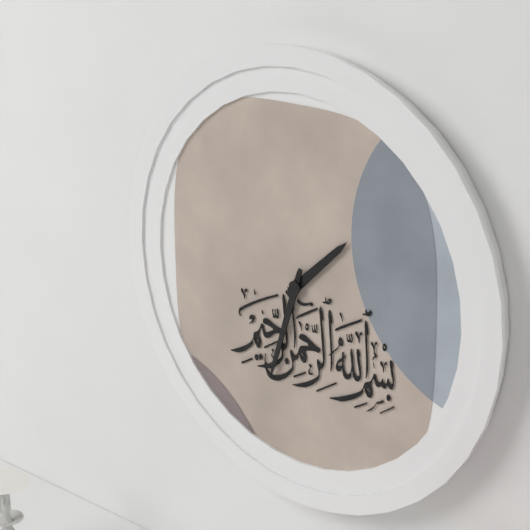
1:33
